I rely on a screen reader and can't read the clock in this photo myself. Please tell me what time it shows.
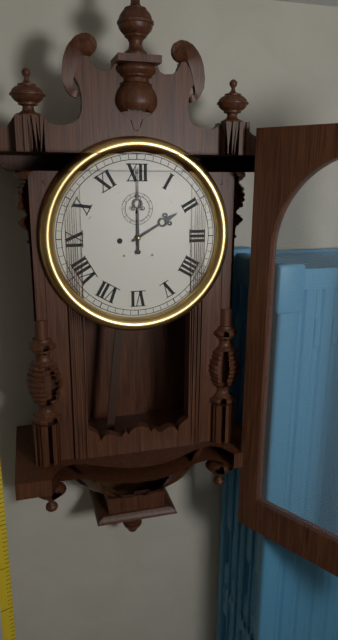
2:00
